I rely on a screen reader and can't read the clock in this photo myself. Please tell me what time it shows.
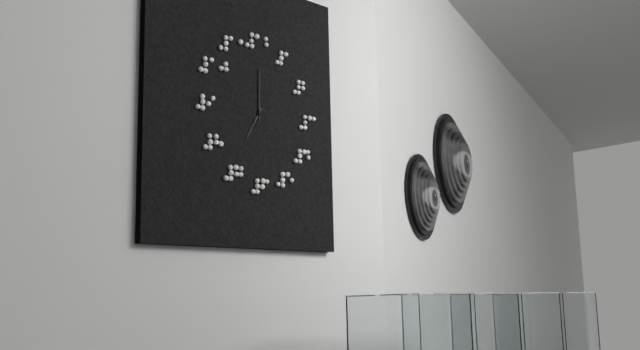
7:00
